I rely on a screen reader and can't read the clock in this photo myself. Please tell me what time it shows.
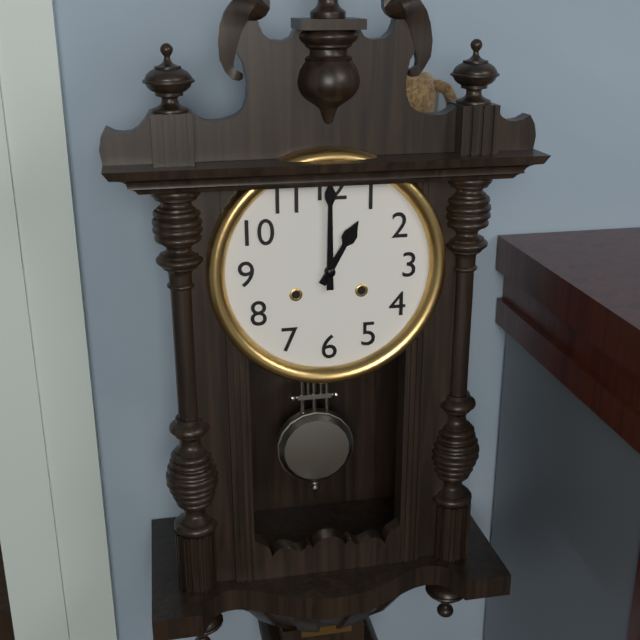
1:00
